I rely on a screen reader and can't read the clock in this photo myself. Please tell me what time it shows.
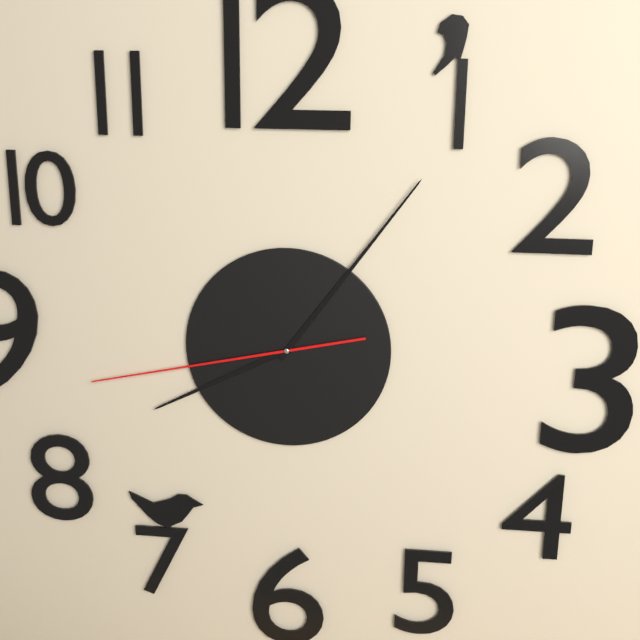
8:06:43
